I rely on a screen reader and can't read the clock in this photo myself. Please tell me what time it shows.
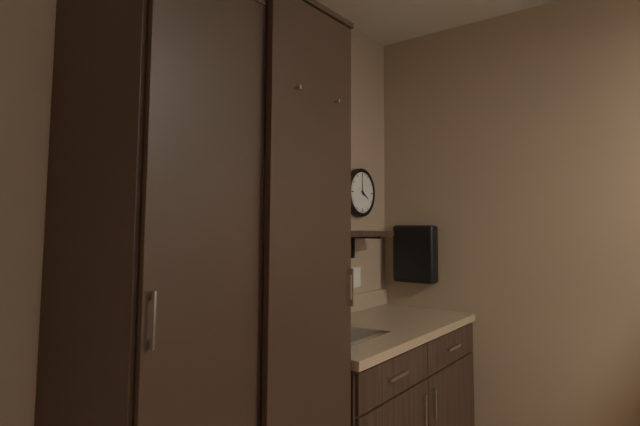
3:59
